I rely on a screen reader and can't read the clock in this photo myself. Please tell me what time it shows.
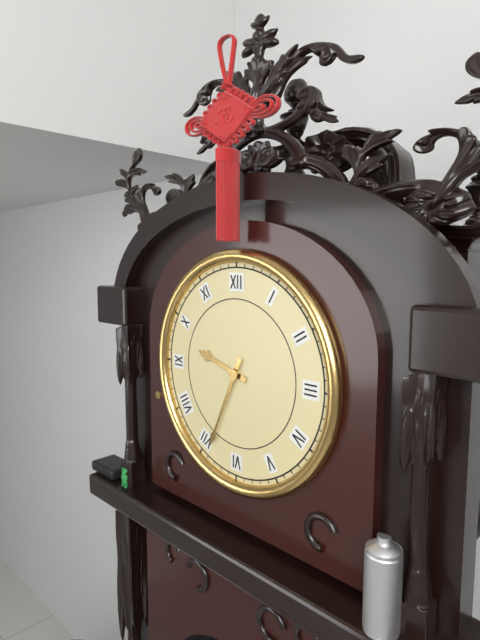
9:34
